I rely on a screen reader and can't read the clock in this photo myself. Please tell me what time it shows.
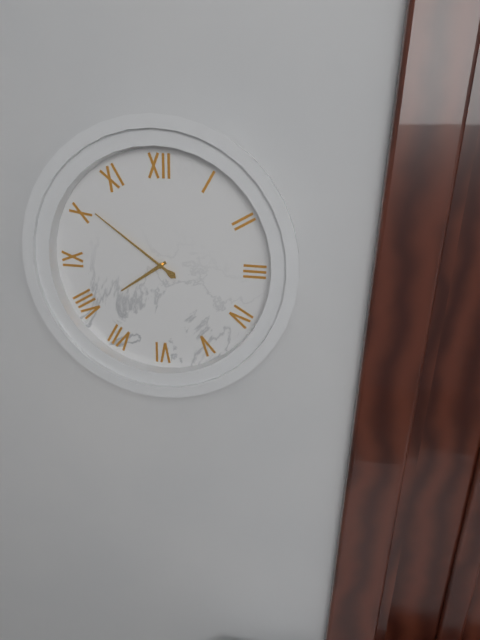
7:51
